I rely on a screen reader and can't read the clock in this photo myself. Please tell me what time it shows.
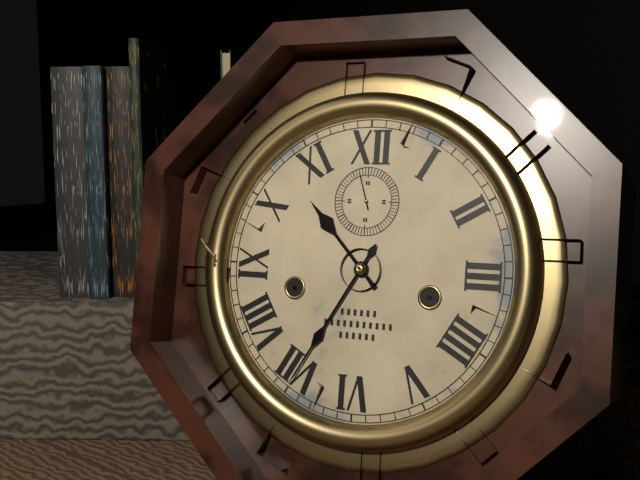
10:35
